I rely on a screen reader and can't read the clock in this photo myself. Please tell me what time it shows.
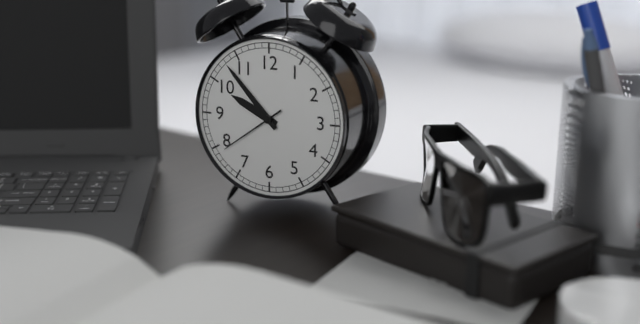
9:53:39
